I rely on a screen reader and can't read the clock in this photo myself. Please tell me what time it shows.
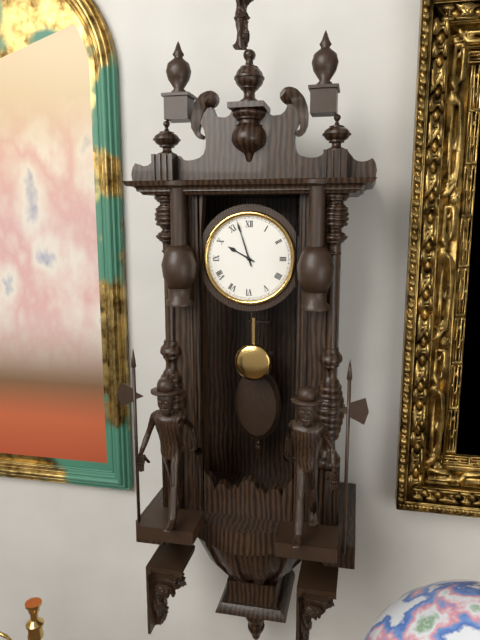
9:57
